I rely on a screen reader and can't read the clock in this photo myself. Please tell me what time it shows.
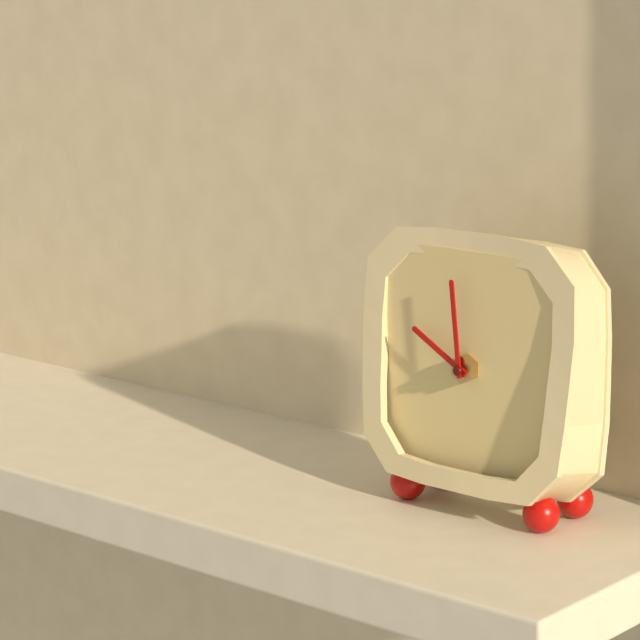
9:59
